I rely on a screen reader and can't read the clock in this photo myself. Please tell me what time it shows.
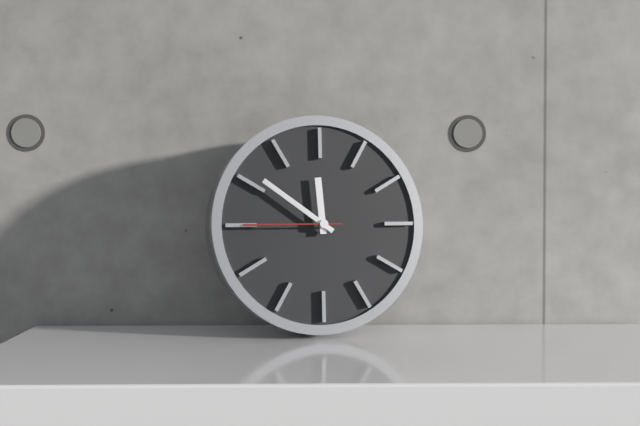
11:51:45
